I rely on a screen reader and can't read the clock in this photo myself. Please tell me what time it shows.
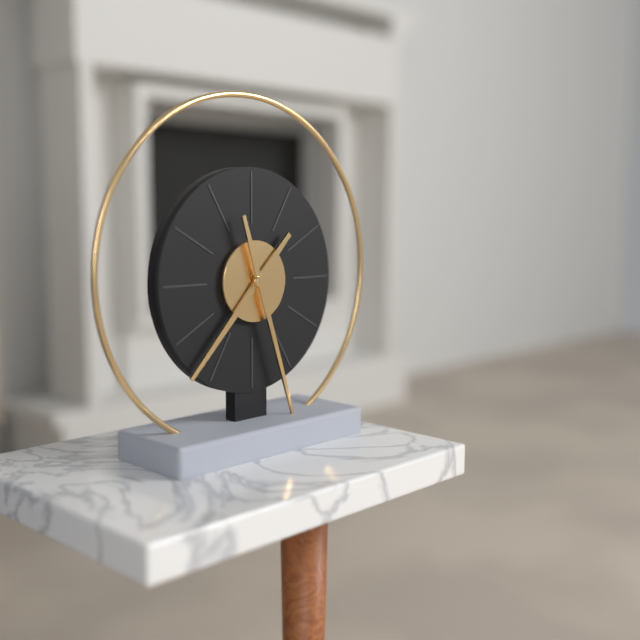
7:27
